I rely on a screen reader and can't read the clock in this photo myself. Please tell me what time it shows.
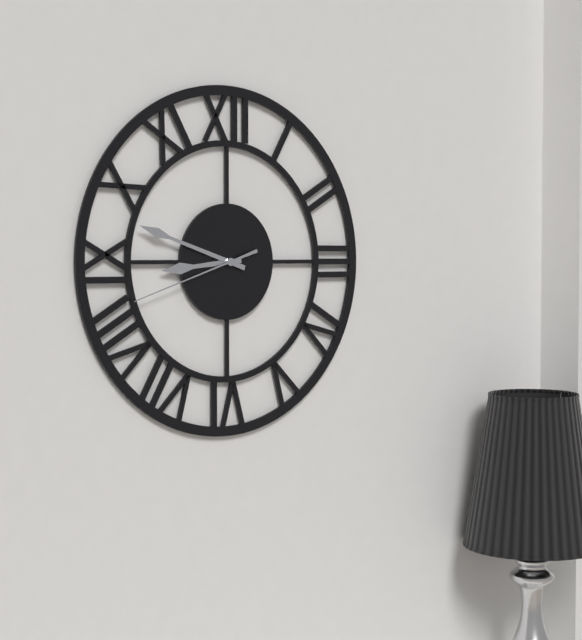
8:48:42
